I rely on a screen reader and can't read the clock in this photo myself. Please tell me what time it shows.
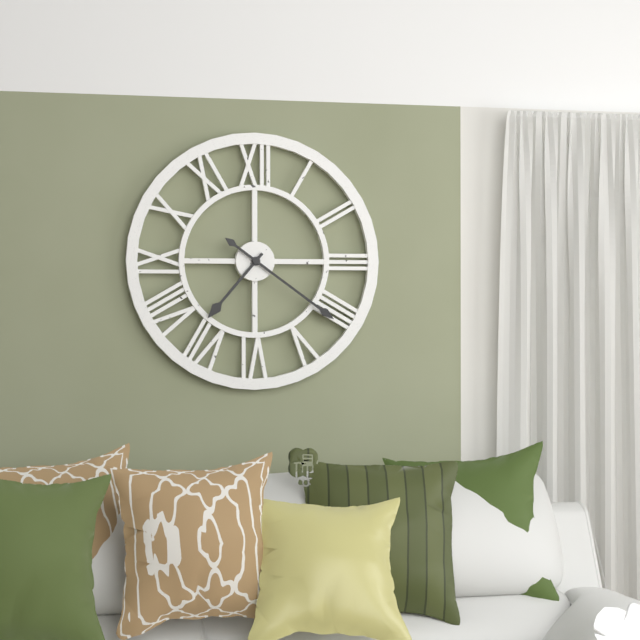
7:21
